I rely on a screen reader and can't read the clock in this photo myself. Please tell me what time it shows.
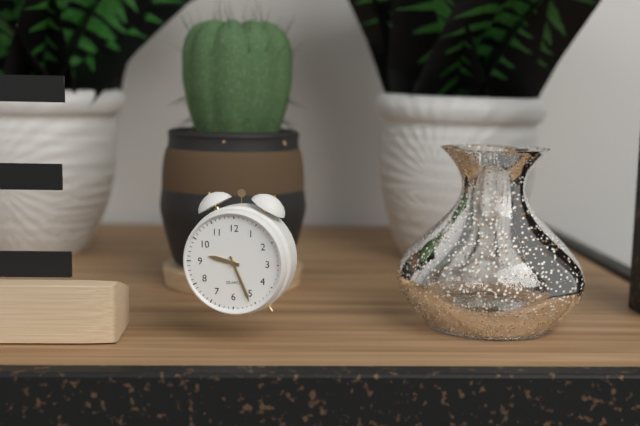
9:26
